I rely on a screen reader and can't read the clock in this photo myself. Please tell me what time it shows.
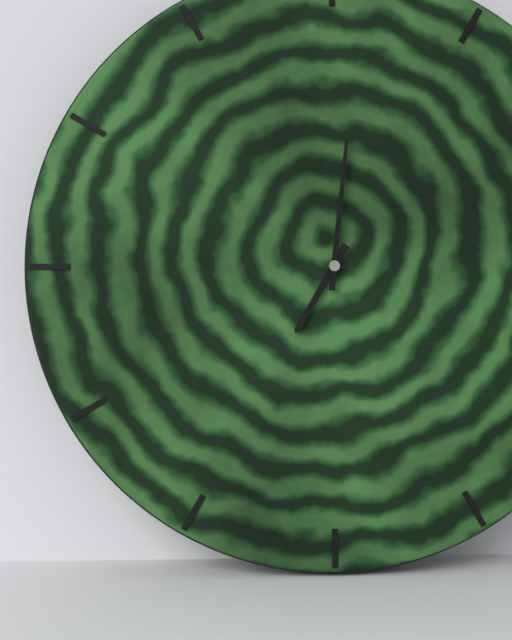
7:01
